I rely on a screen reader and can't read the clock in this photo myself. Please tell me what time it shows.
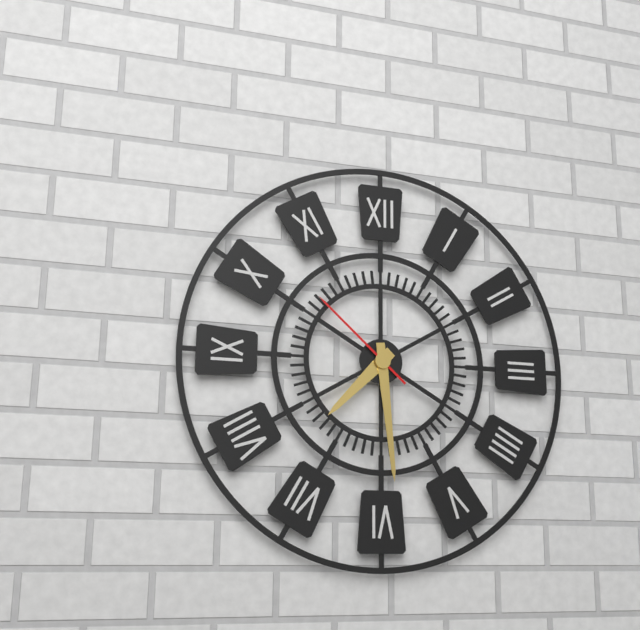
7:29:52
